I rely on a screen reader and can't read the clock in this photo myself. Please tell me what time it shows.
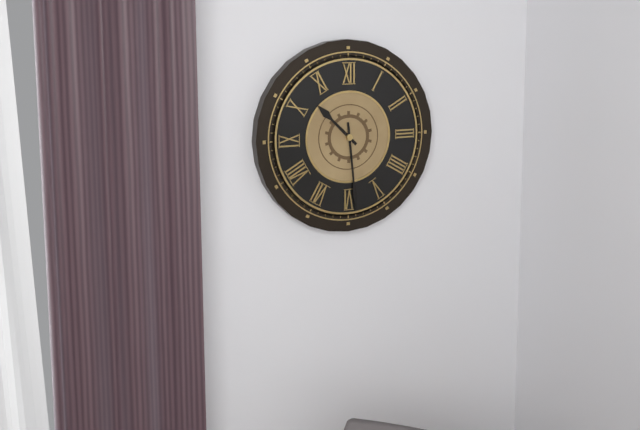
10:29
